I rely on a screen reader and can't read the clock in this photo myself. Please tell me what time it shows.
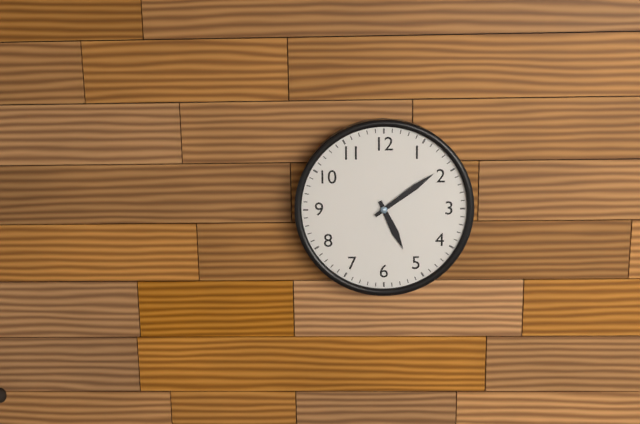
5:09
